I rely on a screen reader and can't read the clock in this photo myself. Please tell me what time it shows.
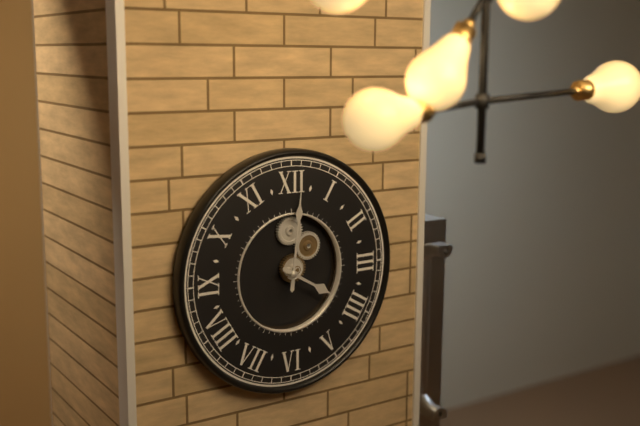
4:01
